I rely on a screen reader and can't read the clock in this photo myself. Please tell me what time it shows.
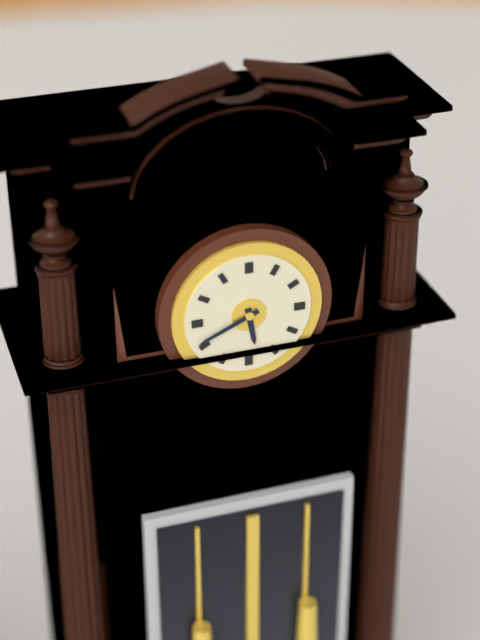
5:41
